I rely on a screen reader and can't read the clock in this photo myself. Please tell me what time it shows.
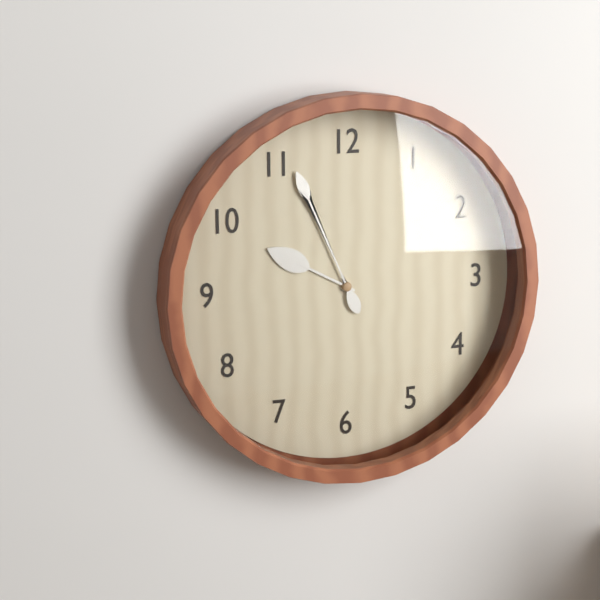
9:56
